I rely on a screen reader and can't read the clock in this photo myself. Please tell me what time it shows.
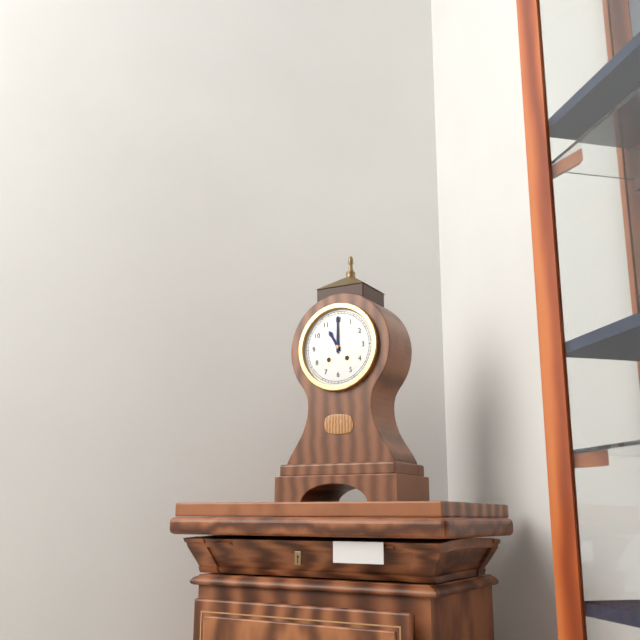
11:00
